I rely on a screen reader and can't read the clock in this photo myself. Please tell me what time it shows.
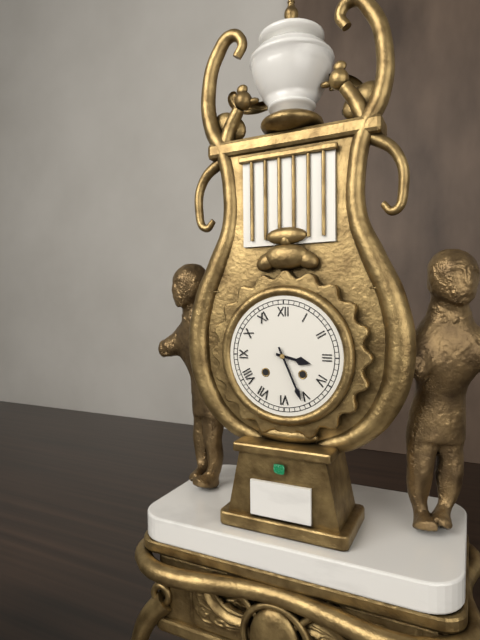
3:26
